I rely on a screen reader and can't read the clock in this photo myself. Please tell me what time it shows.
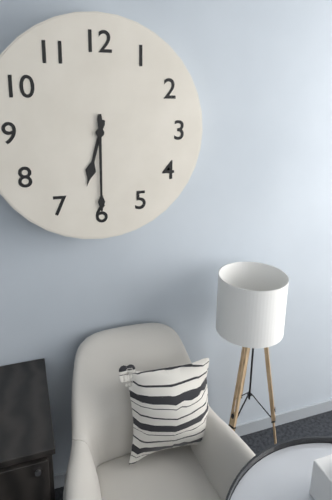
6:30
